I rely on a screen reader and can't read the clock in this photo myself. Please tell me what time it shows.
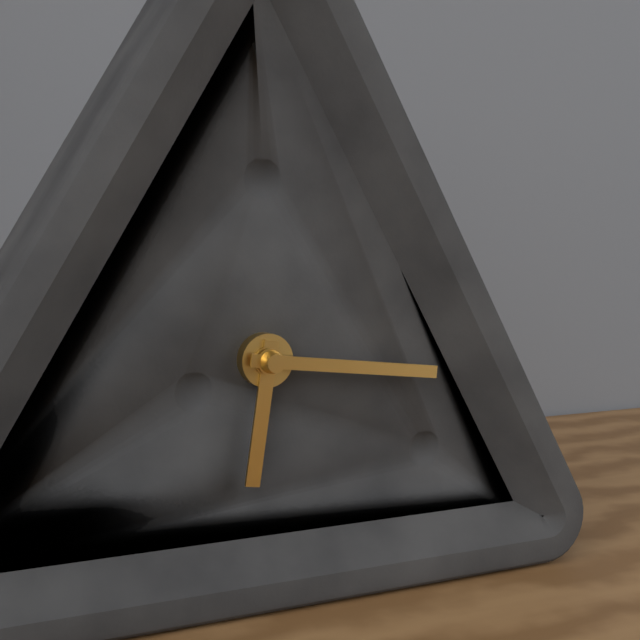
6:16
